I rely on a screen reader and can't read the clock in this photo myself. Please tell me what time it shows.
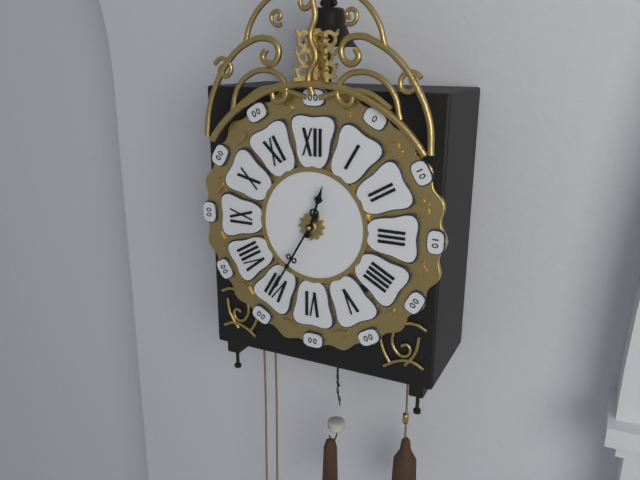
12:35
